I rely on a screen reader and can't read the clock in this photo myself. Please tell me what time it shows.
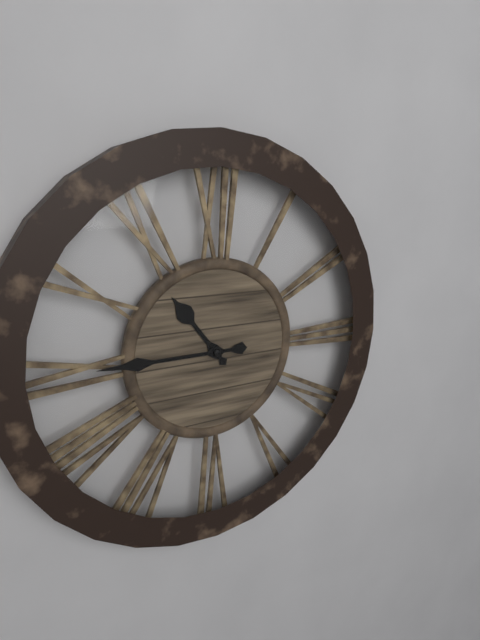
10:45
